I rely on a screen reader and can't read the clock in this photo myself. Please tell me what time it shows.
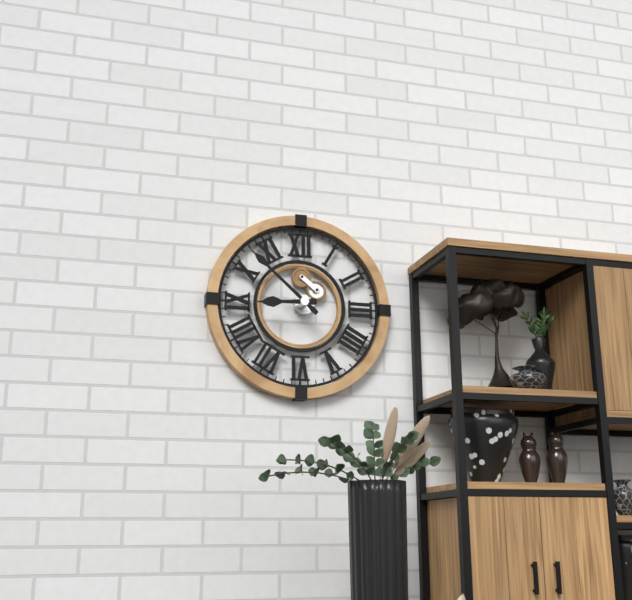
8:52
